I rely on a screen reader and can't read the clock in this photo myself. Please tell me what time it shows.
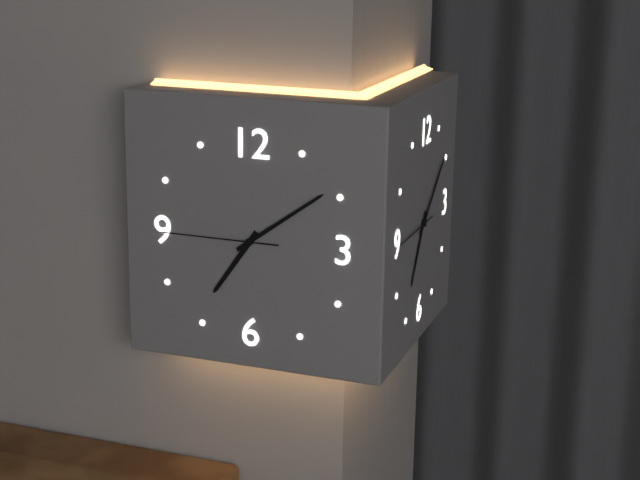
7:09:45
